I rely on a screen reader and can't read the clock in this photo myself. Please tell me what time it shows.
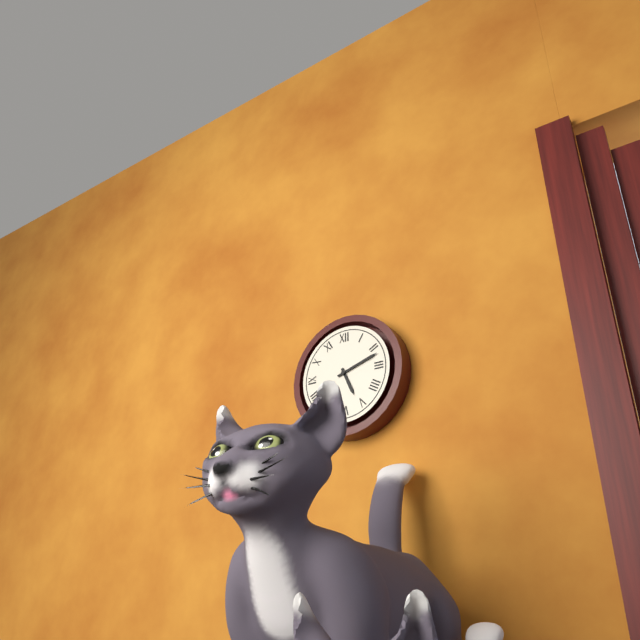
5:12
